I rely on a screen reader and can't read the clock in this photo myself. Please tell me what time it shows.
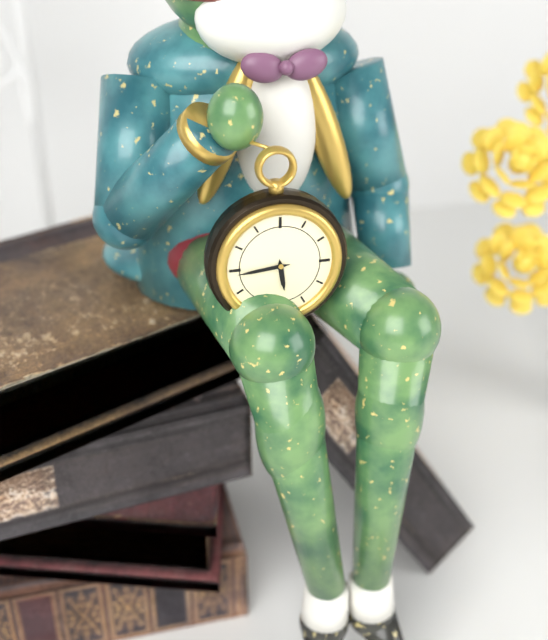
5:44
